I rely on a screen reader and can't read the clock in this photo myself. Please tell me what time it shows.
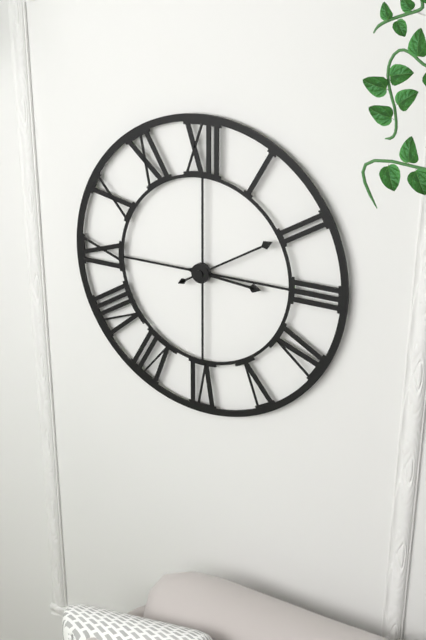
3:10
